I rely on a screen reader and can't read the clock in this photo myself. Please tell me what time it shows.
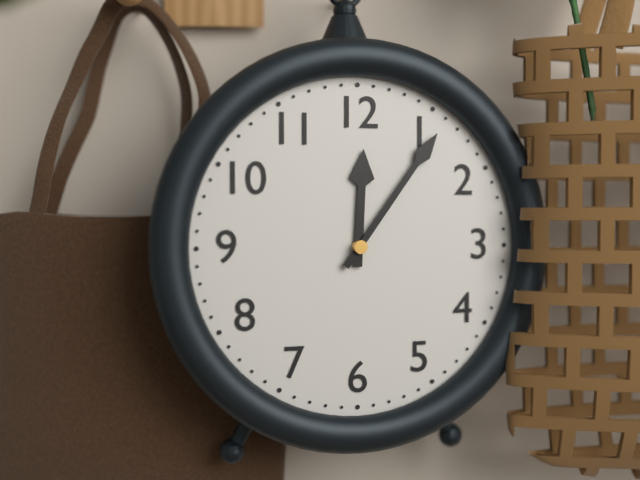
12:06
